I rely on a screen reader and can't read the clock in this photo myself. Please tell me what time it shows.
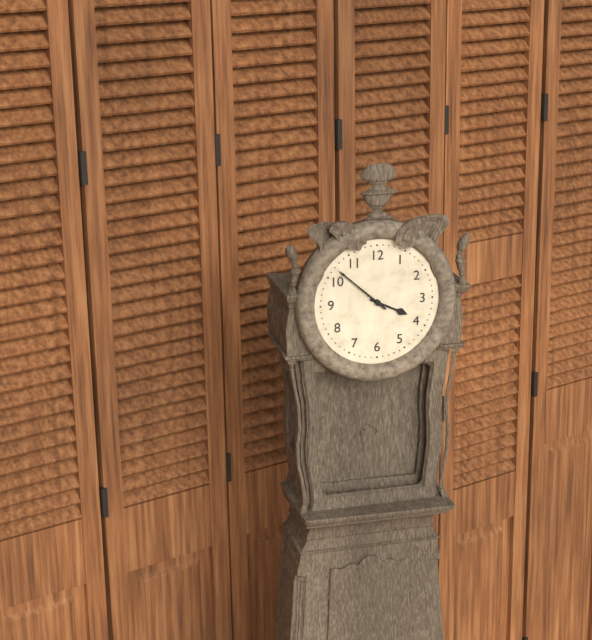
3:52
